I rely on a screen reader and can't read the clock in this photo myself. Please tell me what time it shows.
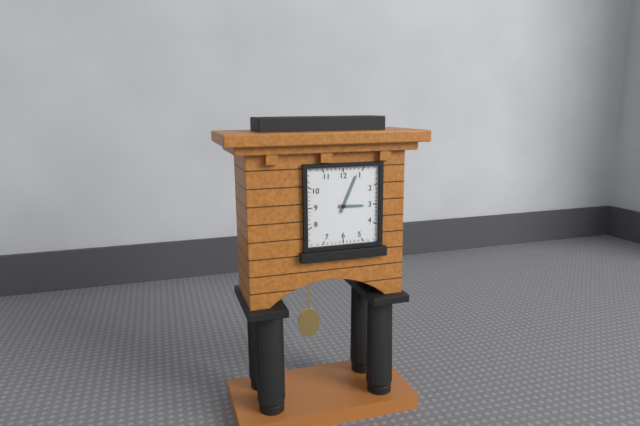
3:04
